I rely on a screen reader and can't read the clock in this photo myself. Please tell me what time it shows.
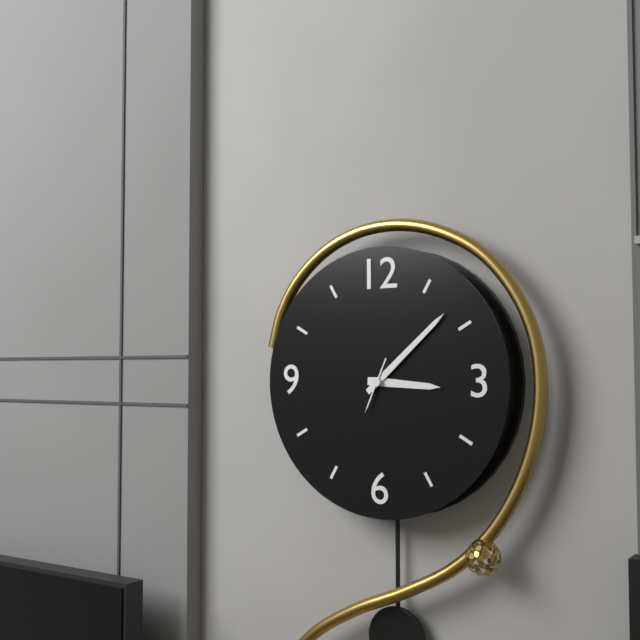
3:08
